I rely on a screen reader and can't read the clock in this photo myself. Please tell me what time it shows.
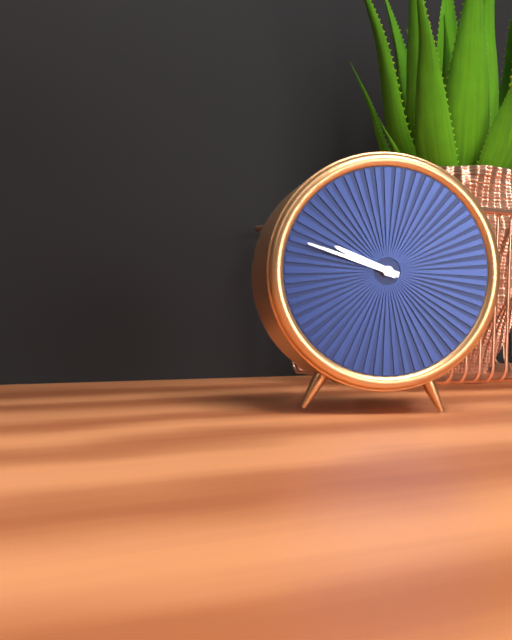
9:48
